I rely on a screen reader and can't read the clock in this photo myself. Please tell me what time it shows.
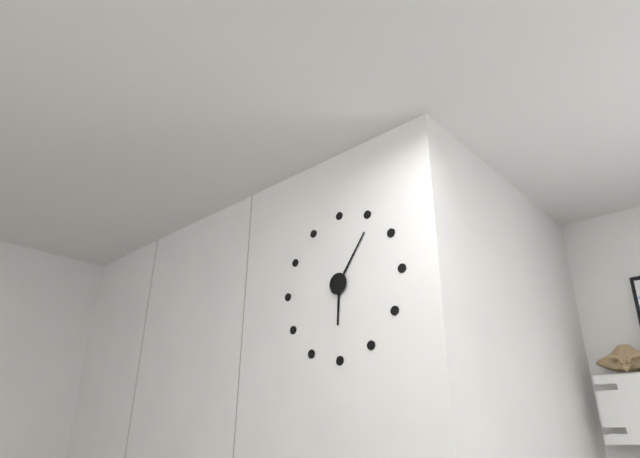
6:06
